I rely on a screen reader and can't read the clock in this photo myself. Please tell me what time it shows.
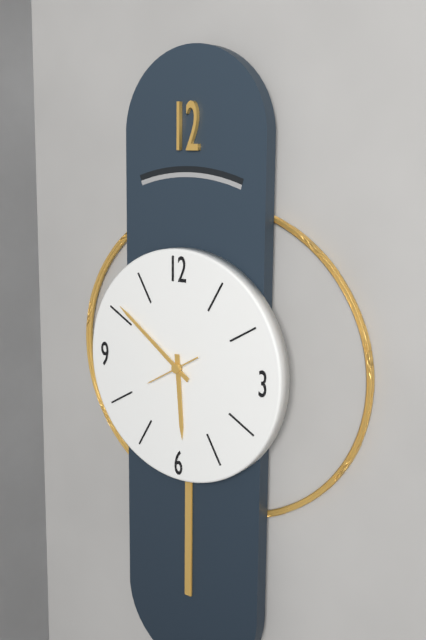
5:51
